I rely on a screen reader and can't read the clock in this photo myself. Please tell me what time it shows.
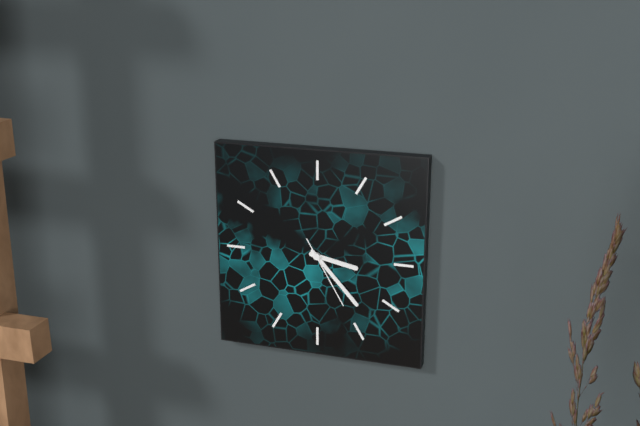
3:23:25
